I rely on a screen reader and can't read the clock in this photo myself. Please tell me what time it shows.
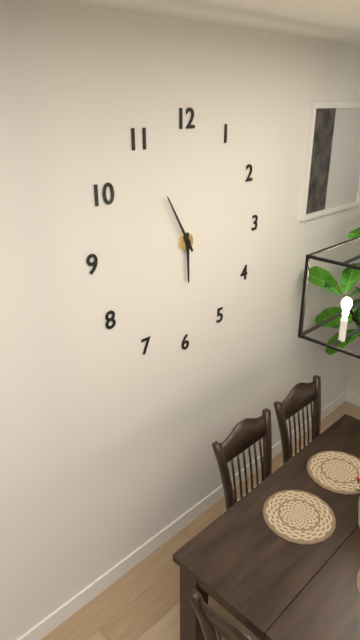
5:55
